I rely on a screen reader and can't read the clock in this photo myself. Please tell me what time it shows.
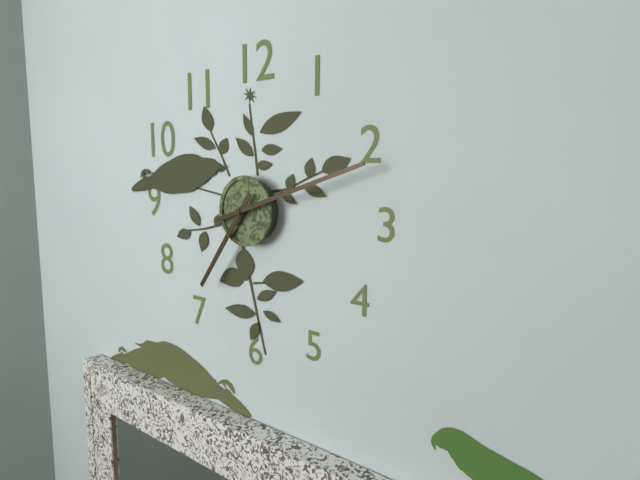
7:12
